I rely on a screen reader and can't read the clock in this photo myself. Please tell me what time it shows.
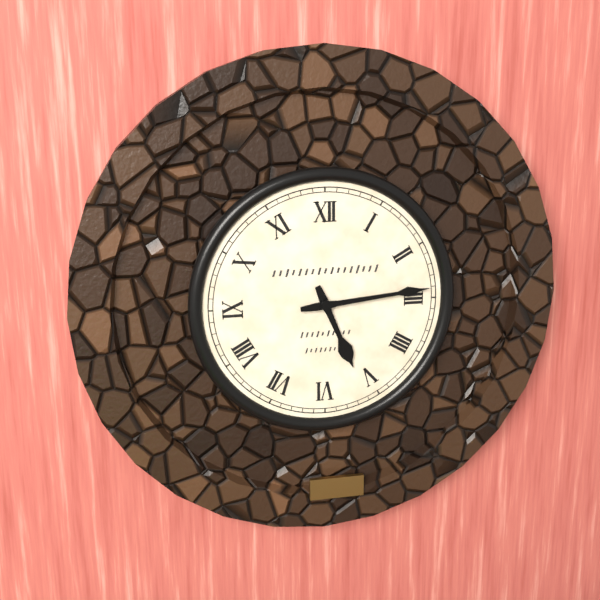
5:14
